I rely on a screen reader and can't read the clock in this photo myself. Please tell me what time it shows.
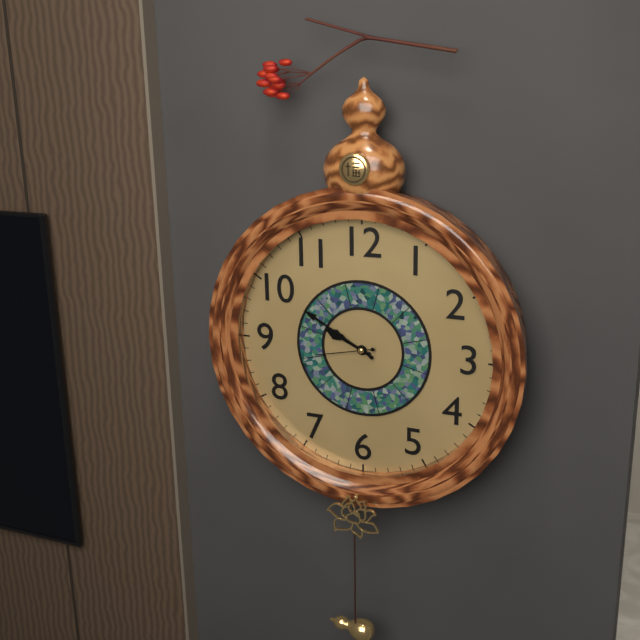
9:50:43
